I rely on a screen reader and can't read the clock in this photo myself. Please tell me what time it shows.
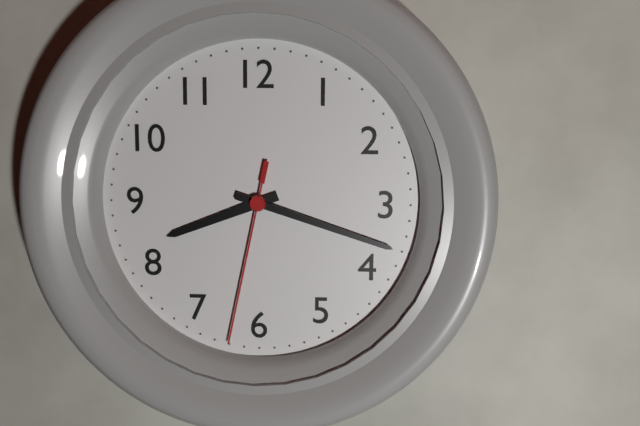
8:18:32
